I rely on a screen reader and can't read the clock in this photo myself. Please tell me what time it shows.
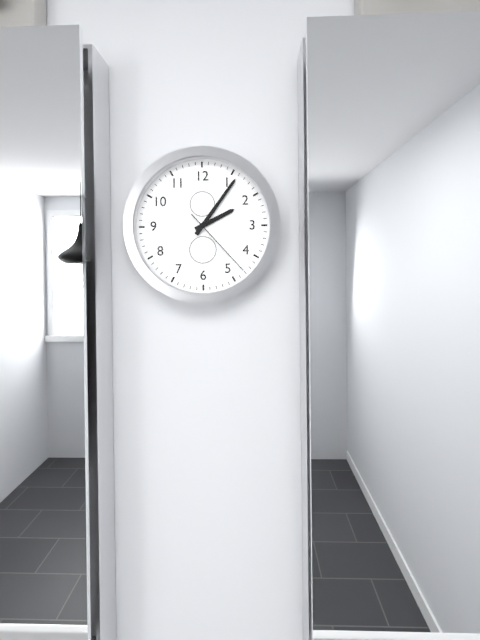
2:06:23
